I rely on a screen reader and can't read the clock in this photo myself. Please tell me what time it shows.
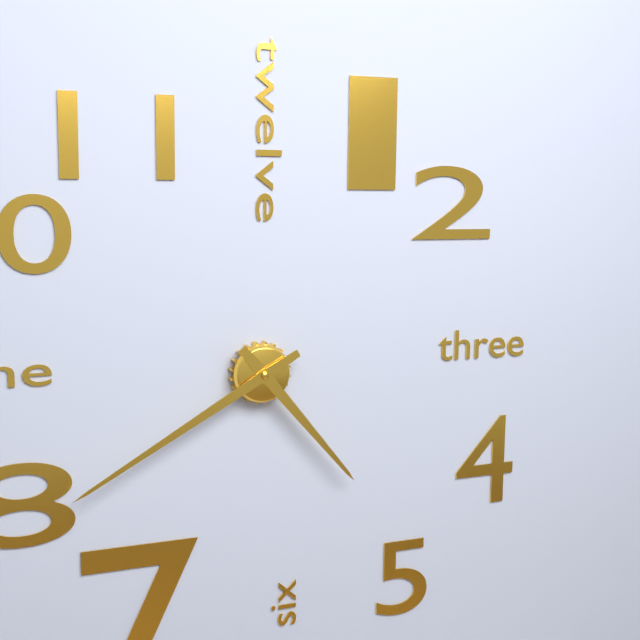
4:40
